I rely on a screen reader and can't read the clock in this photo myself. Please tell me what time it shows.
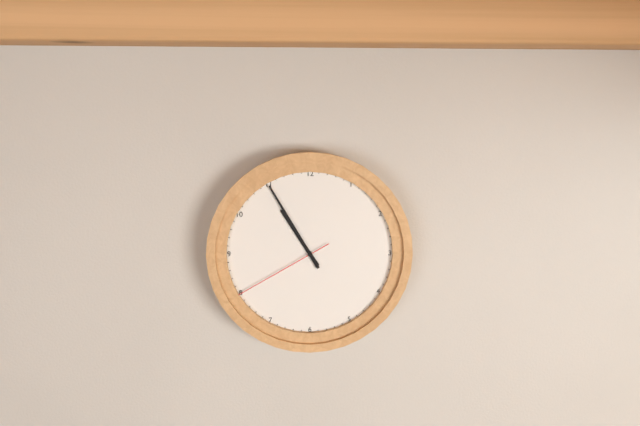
10:55:40
